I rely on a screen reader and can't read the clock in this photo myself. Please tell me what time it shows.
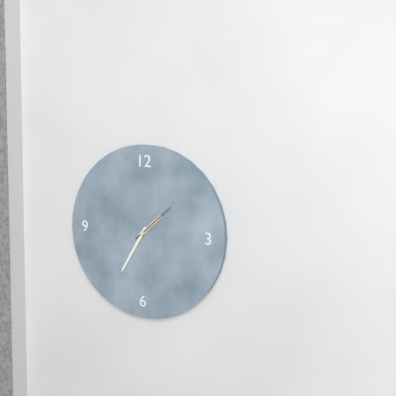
1:35
